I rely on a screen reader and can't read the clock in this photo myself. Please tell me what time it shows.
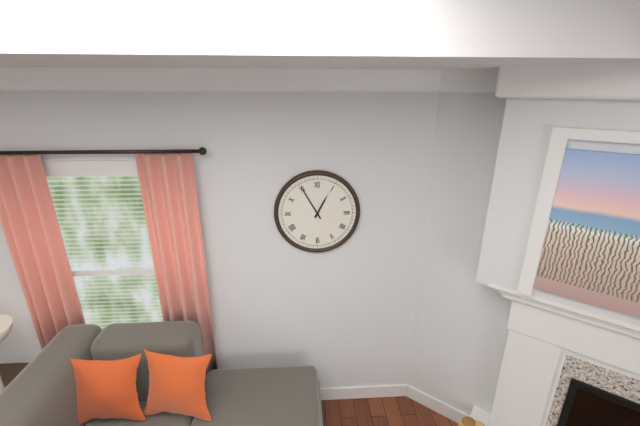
12:55
